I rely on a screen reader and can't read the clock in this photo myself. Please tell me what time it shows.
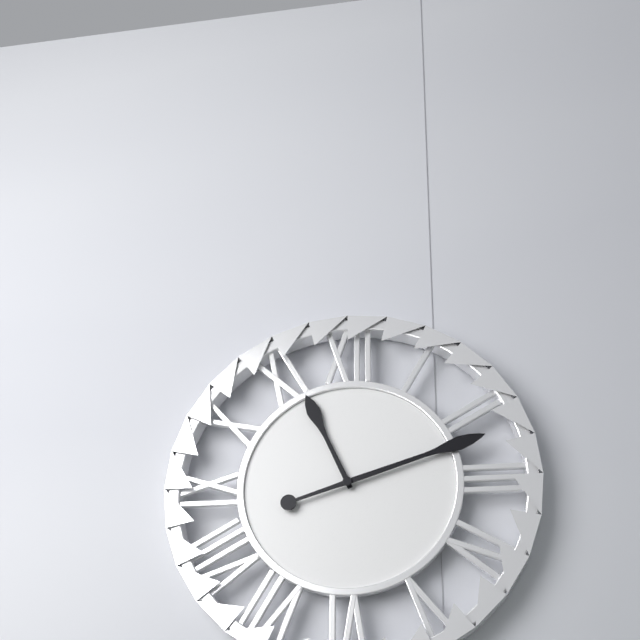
11:12
